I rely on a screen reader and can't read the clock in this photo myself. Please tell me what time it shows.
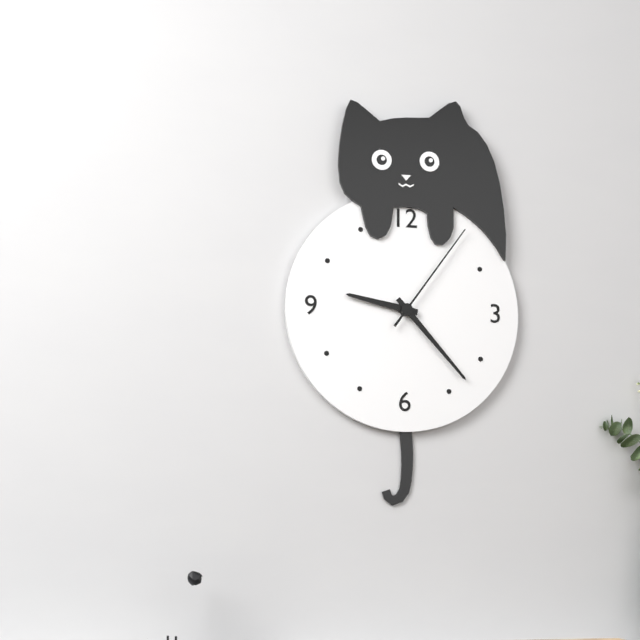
9:23:06
